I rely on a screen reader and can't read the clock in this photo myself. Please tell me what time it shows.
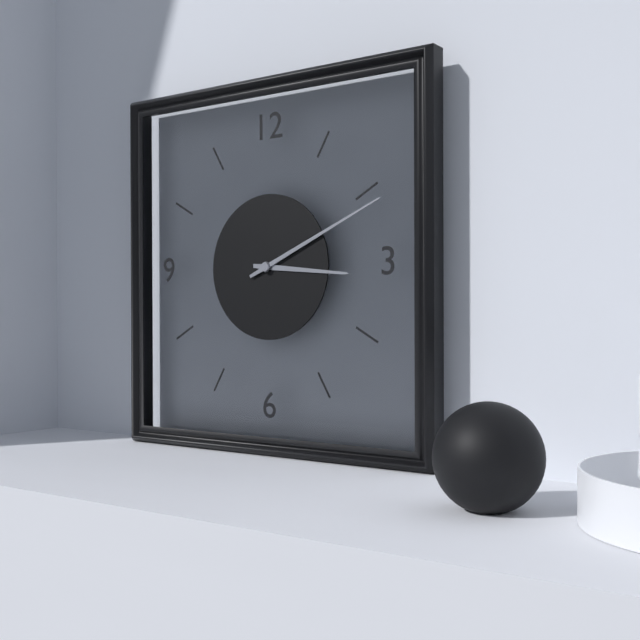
3:11
